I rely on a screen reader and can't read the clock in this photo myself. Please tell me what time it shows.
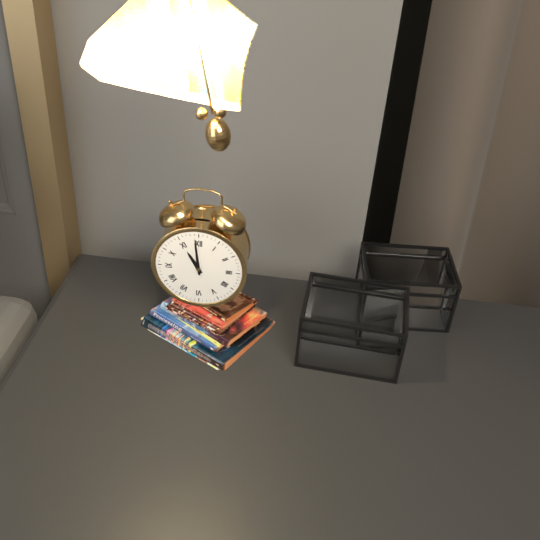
10:59
